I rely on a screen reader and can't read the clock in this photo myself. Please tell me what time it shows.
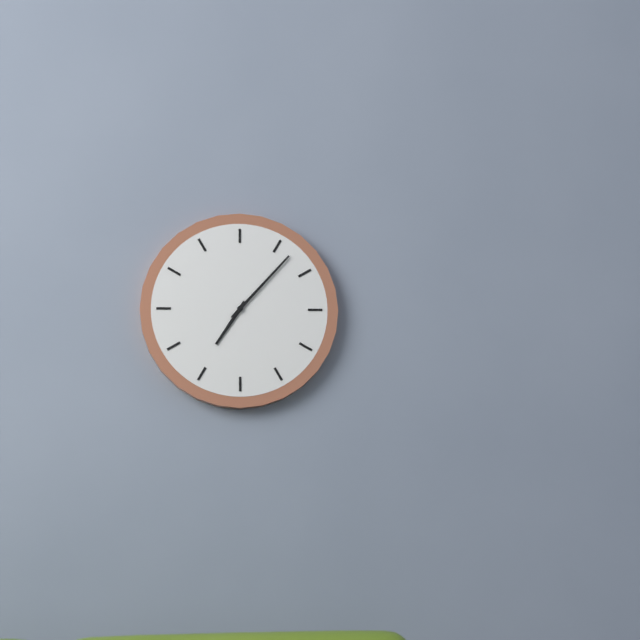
7:07
